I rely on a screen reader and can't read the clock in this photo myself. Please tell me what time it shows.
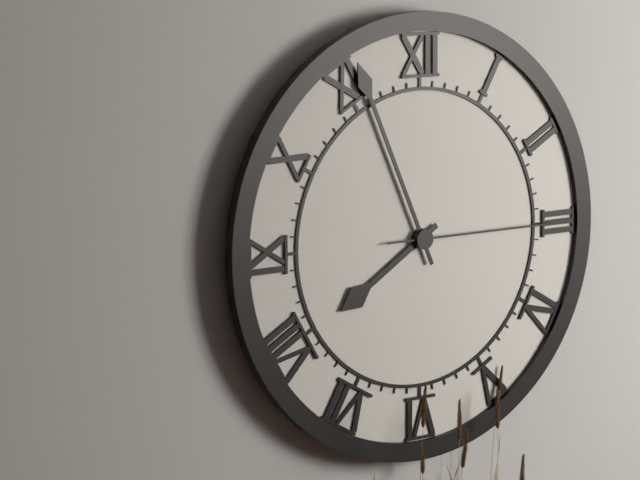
7:56:15
